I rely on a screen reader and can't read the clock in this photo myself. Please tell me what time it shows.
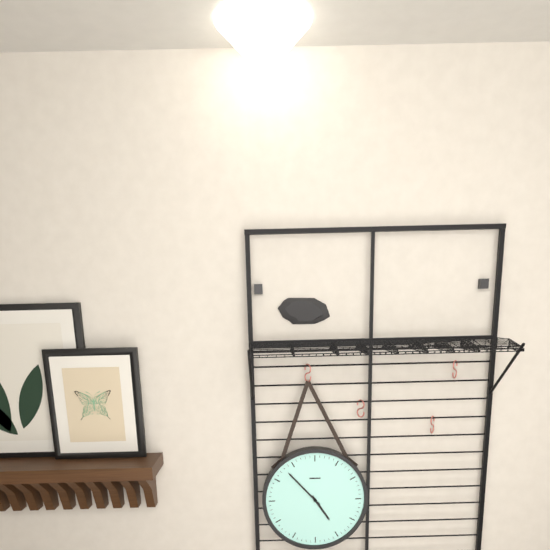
4:53
